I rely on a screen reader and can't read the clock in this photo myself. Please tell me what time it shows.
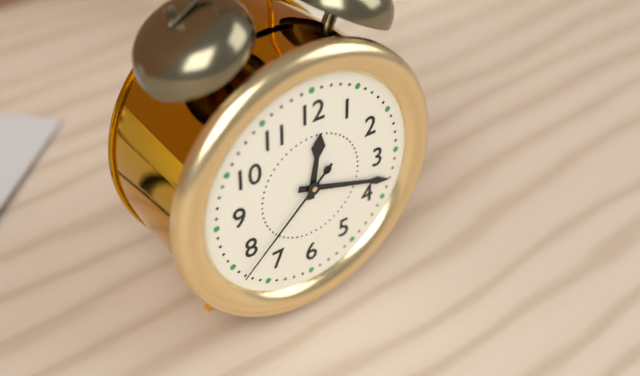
12:18:38
